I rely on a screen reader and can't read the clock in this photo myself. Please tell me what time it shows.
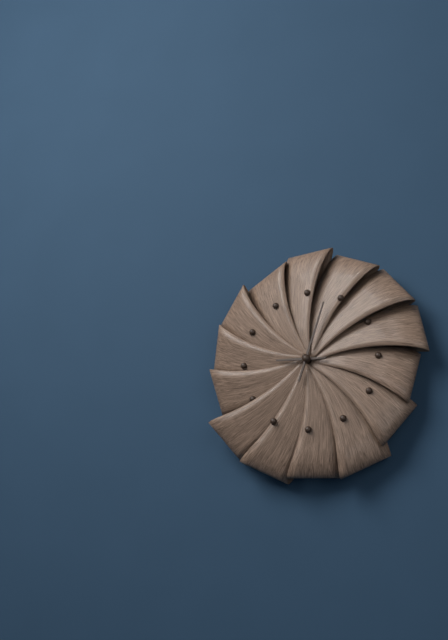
9:03
